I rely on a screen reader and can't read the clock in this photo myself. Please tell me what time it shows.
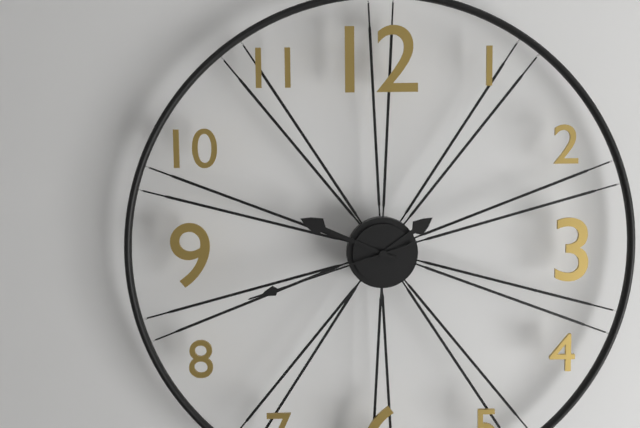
1:49:42
